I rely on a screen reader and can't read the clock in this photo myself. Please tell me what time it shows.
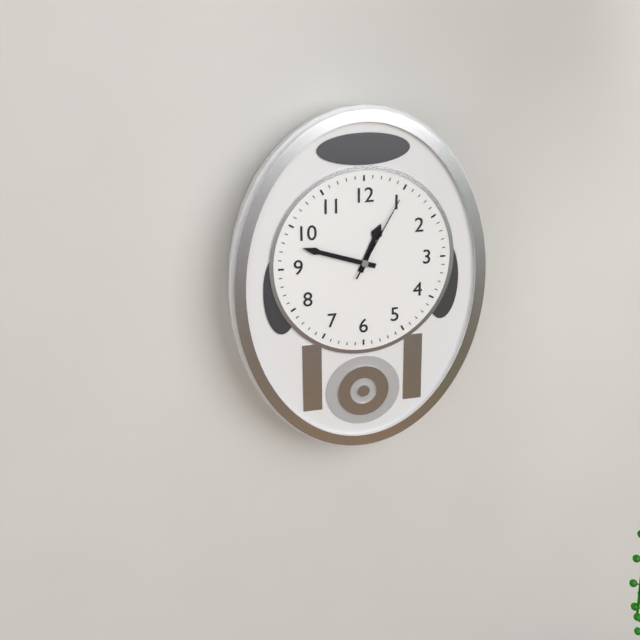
12:48:05
